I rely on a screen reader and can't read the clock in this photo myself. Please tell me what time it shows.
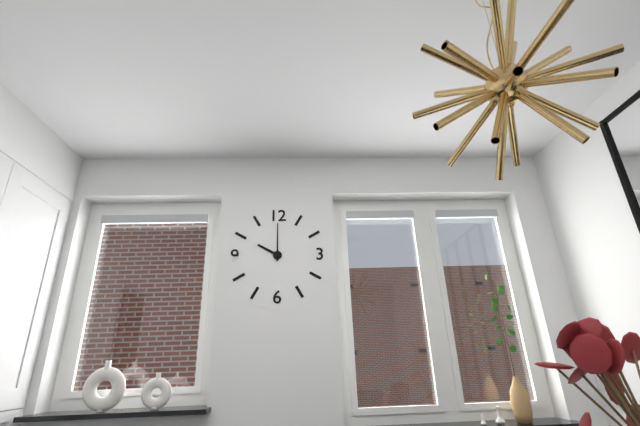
10:00
